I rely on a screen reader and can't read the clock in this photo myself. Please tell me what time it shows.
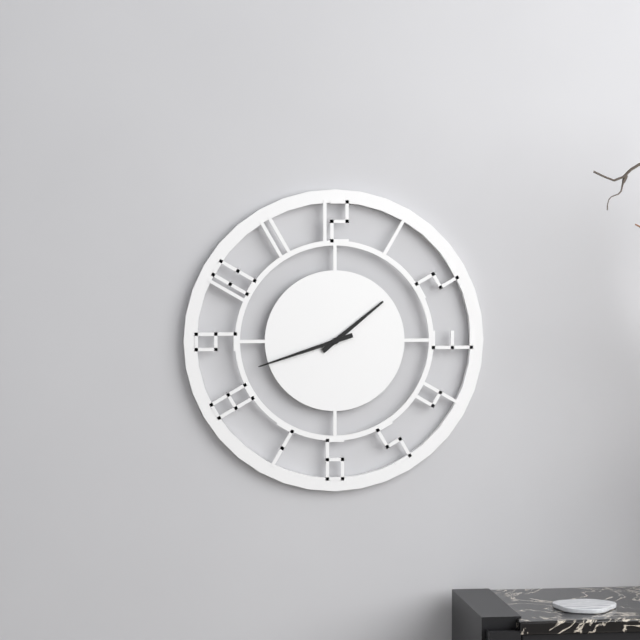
1:42
